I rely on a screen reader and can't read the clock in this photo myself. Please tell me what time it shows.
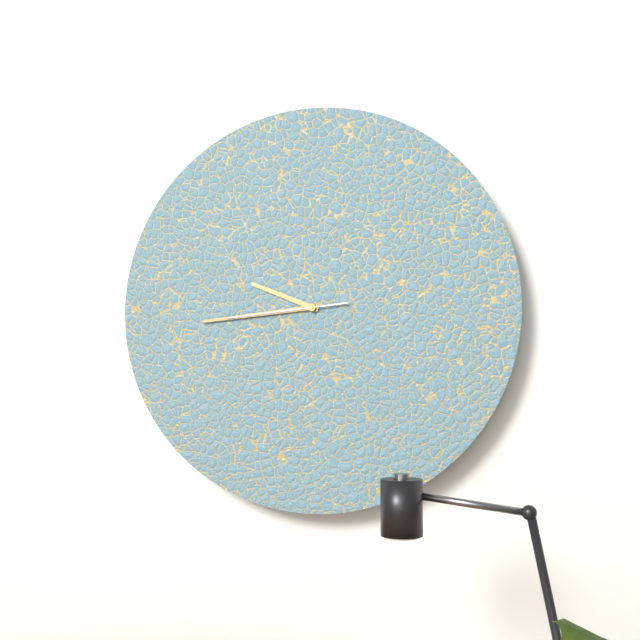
9:44:44
